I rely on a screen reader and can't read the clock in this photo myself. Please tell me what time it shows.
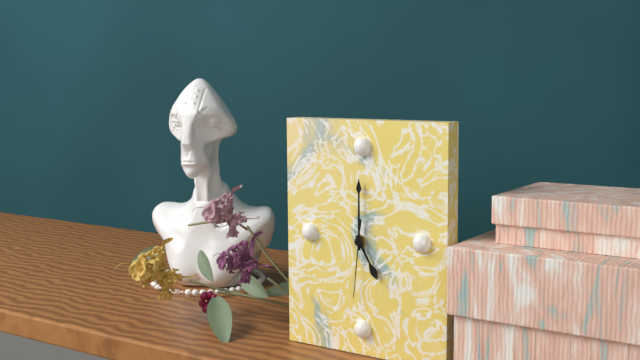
5:00:31
